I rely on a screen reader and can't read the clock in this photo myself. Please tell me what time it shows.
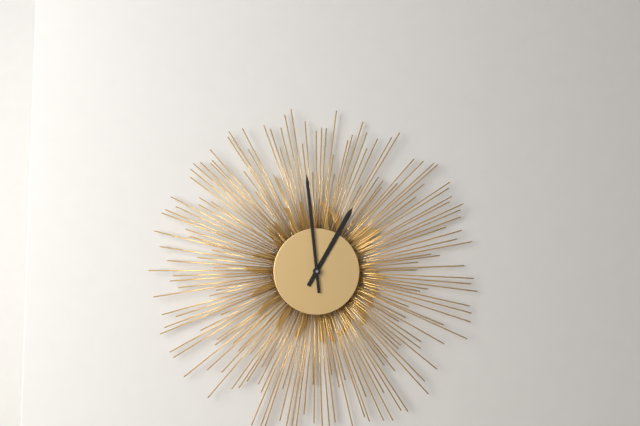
12:59
